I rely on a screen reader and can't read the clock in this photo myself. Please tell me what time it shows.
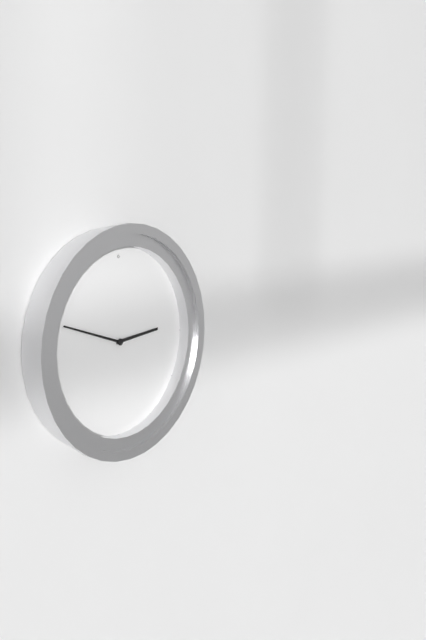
2:48
